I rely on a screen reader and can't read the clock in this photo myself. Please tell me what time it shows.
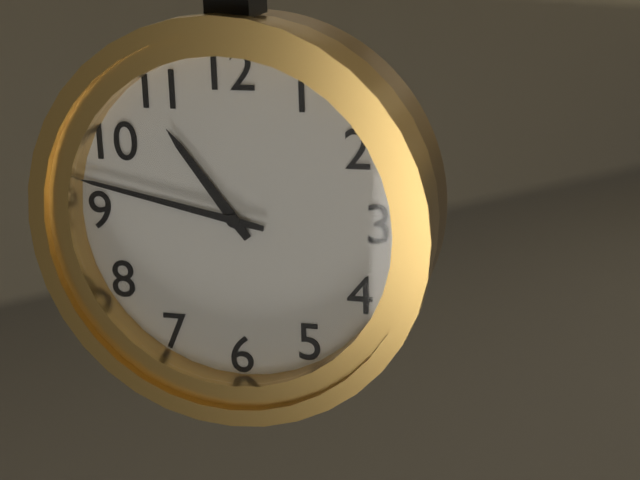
10:47
